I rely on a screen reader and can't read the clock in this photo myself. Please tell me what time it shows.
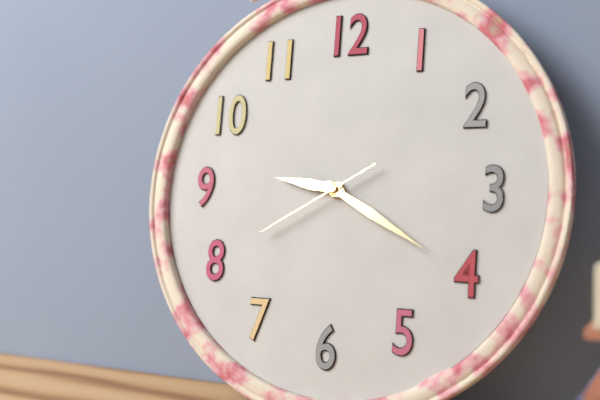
9:20:40
